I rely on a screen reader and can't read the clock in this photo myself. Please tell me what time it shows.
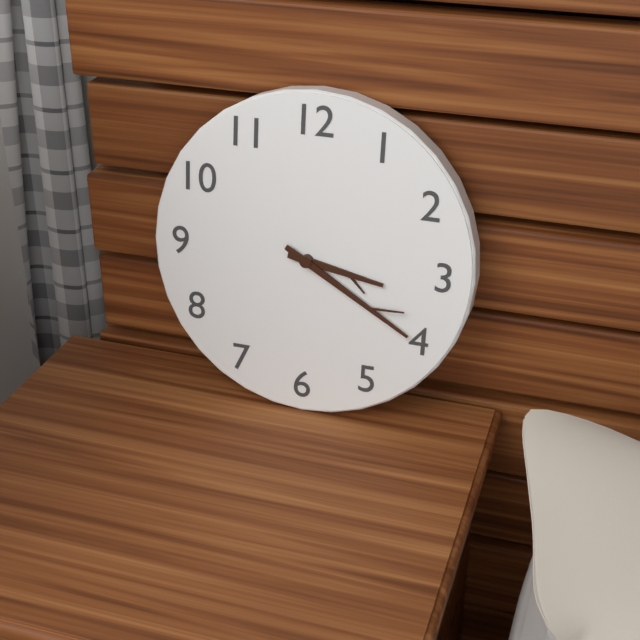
3:20
